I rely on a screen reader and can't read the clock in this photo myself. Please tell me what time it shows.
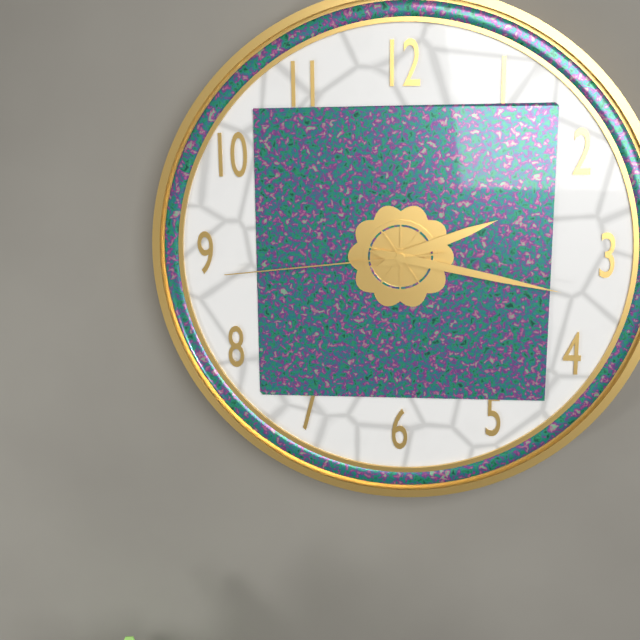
2:17:44
